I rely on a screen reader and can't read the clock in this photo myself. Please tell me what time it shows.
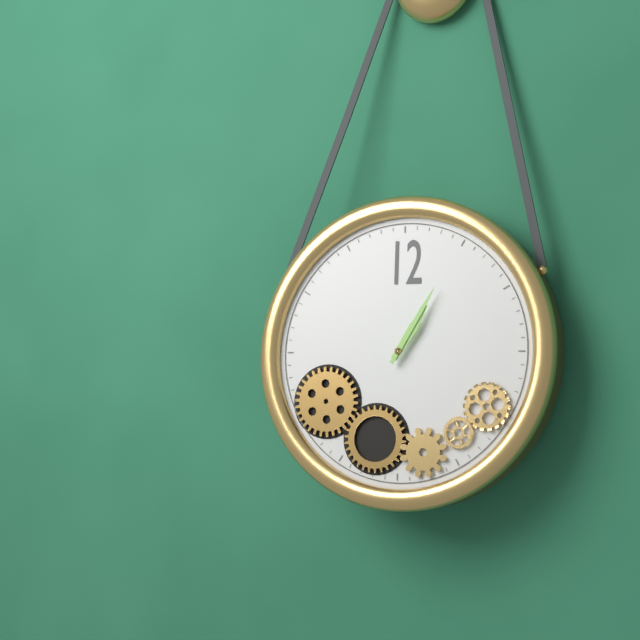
1:05
